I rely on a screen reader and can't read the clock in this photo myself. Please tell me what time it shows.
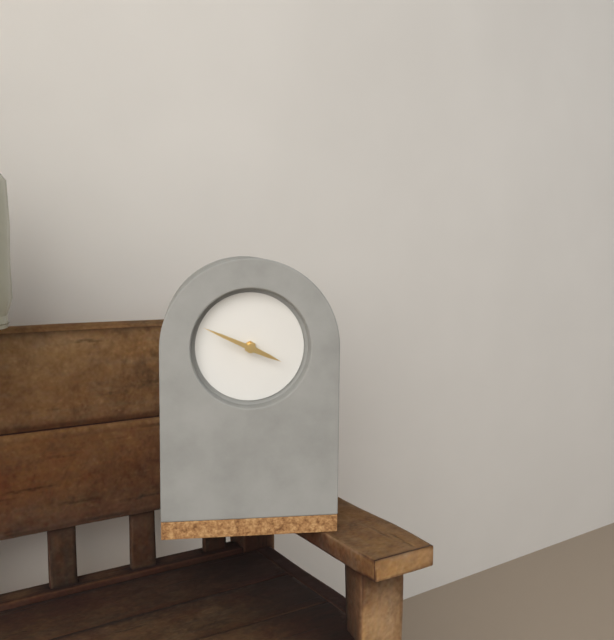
3:49
